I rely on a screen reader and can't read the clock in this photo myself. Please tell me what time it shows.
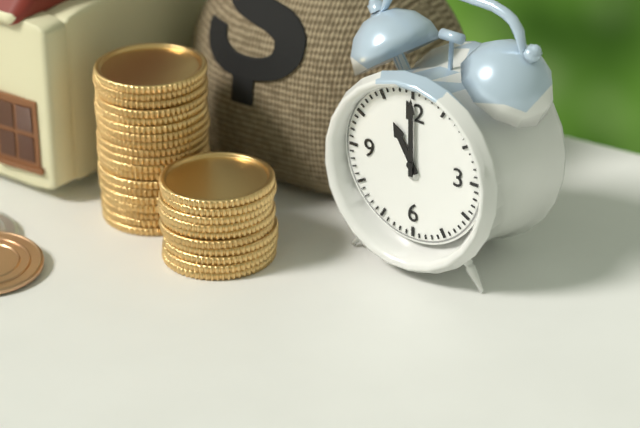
11:00
